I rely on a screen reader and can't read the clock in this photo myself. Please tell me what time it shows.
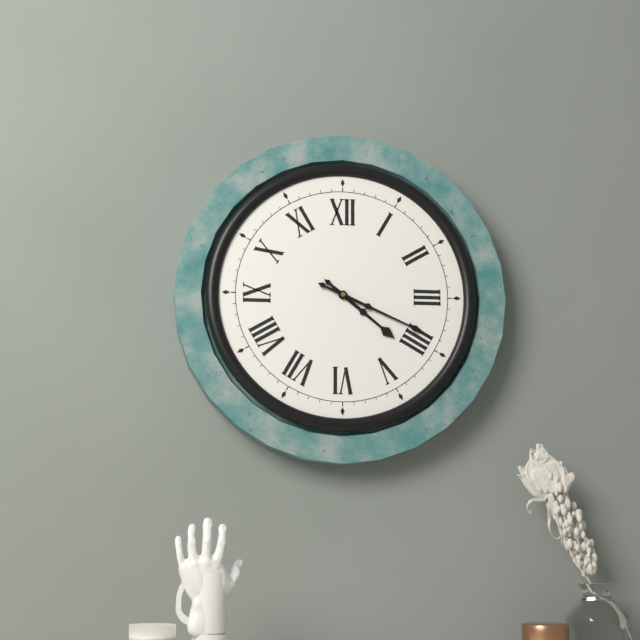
4:19
